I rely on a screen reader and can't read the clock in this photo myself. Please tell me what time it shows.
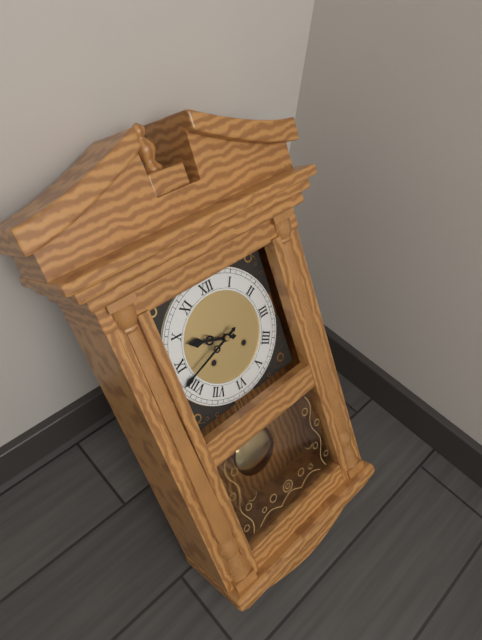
9:42
